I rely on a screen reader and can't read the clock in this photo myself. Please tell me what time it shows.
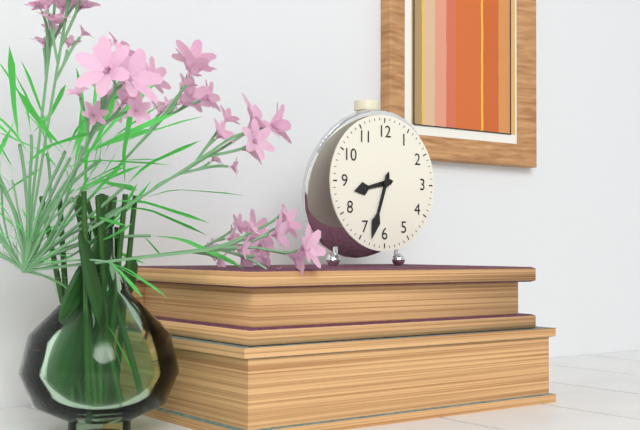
8:33
